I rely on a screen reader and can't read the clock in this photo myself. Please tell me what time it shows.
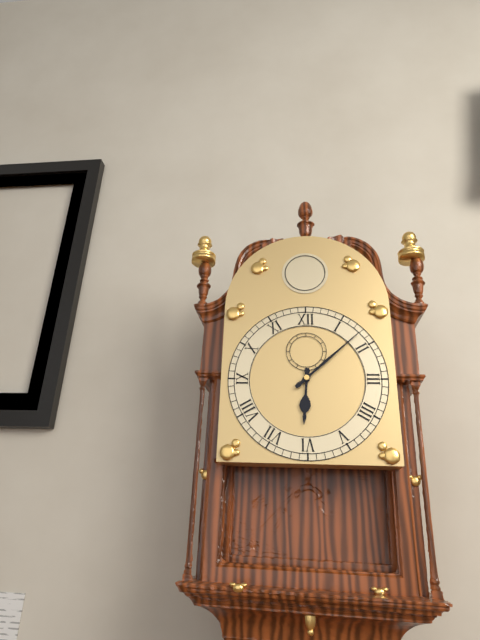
6:08
